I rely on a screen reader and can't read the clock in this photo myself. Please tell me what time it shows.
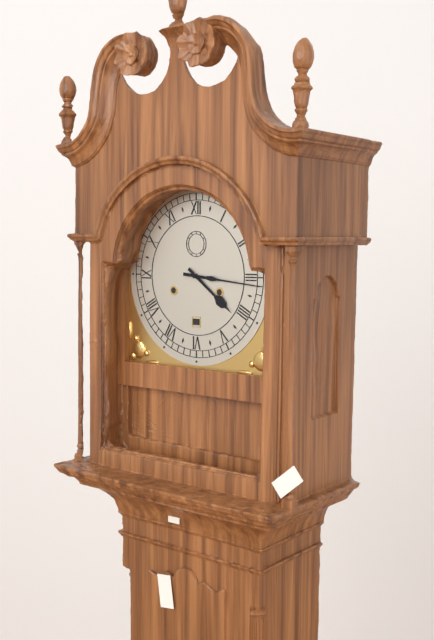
4:16
